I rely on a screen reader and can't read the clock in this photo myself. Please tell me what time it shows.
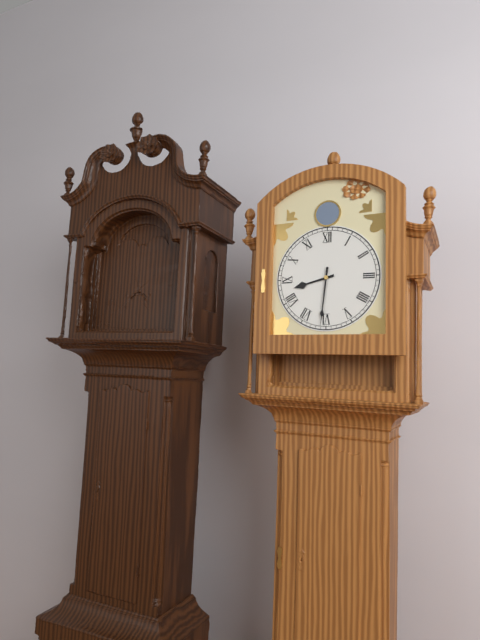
8:31
